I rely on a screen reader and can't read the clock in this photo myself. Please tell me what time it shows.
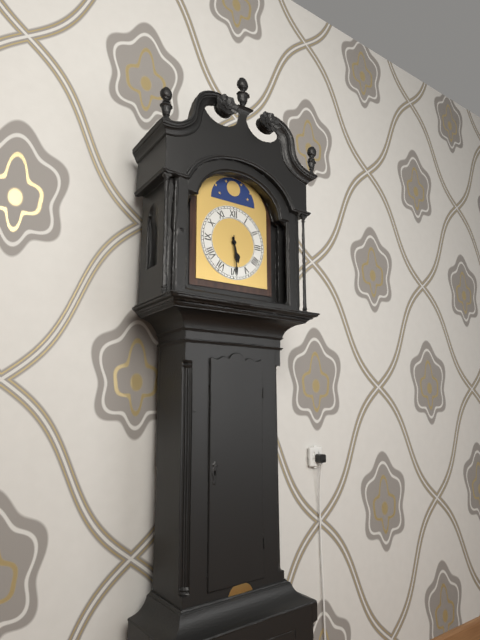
5:29
